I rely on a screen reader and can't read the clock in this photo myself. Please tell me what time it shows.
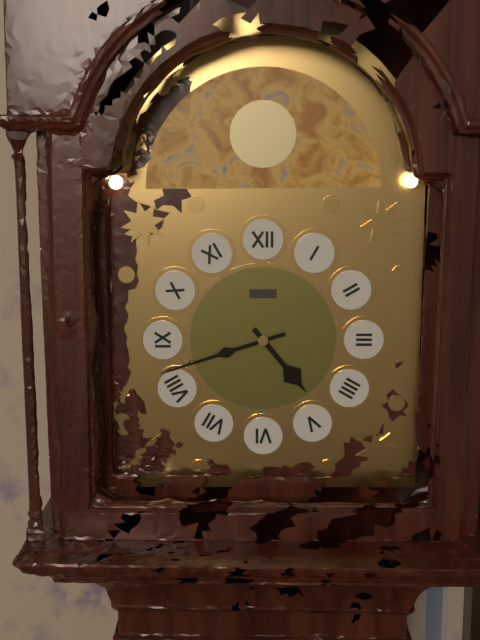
4:42
